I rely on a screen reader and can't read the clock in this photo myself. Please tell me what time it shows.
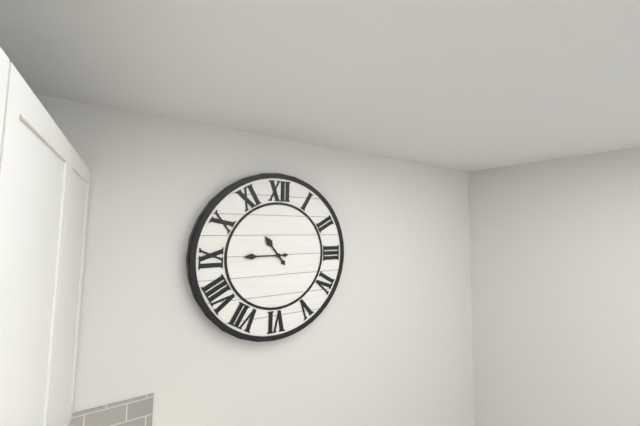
10:45
